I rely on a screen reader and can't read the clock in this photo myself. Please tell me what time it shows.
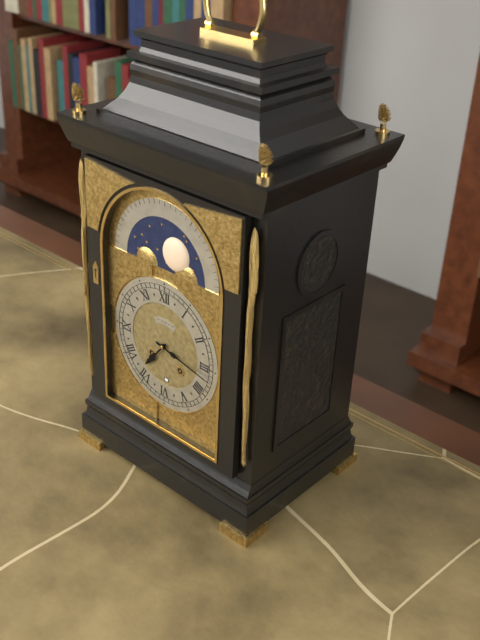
7:17
